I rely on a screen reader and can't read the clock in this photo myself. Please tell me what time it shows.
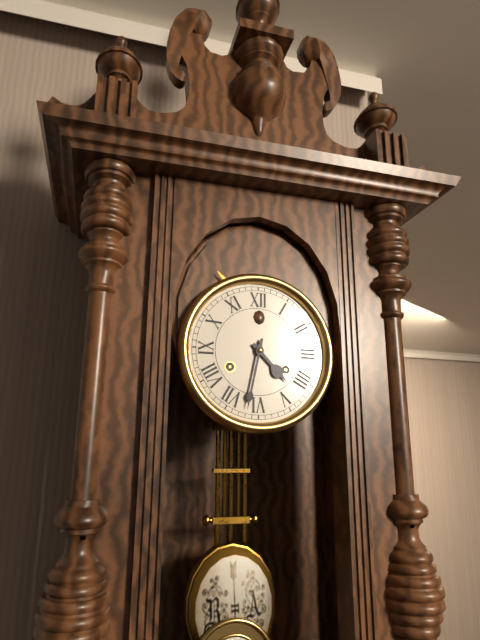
4:32
